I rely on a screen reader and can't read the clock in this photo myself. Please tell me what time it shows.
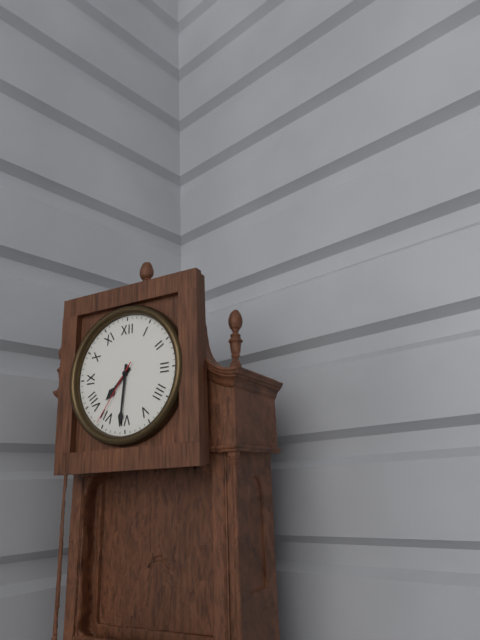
7:31:36
